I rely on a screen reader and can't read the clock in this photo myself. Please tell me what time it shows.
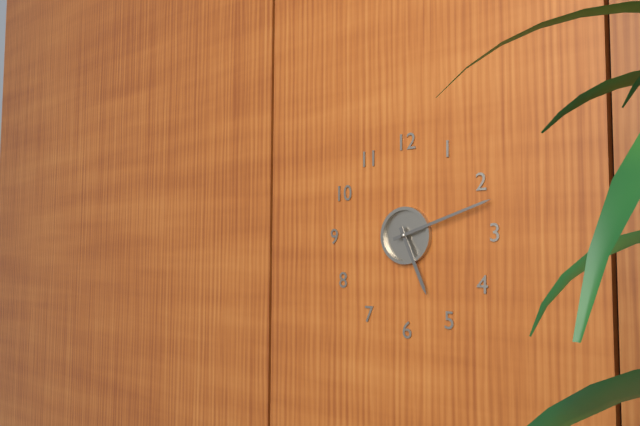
5:12
